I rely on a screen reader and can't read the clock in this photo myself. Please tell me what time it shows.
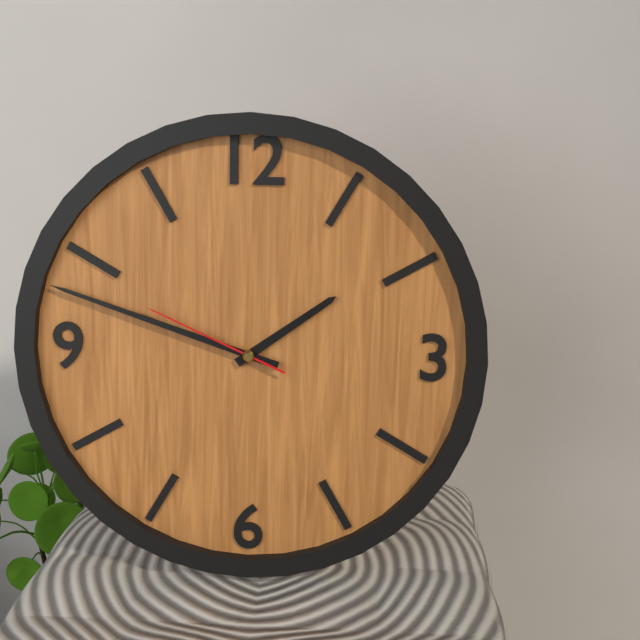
1:48:49
